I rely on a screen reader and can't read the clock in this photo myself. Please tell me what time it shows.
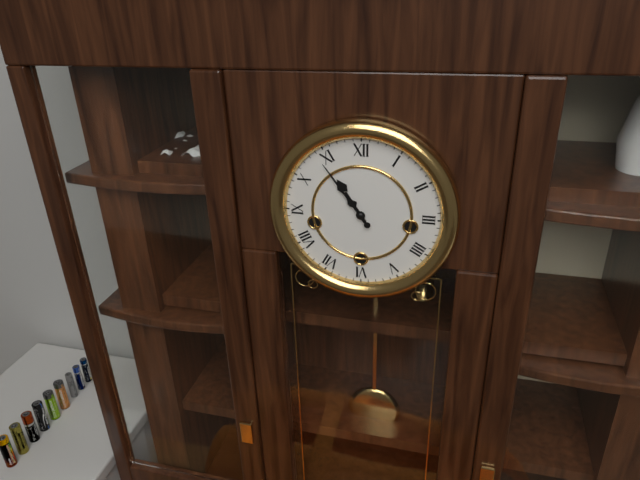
10:54
